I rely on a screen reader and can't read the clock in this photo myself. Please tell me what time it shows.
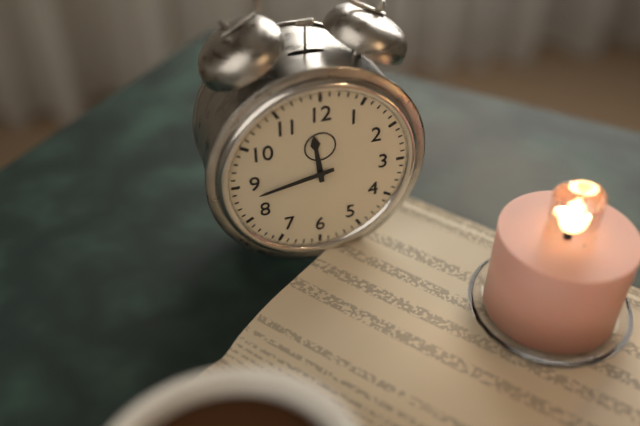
11:43
